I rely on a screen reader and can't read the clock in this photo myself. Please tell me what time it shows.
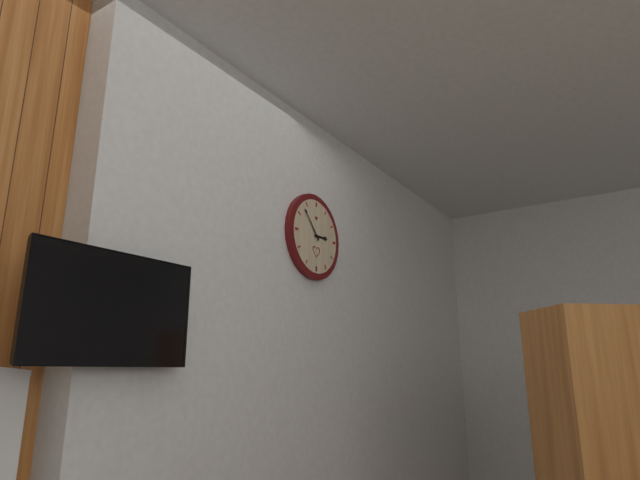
2:53
